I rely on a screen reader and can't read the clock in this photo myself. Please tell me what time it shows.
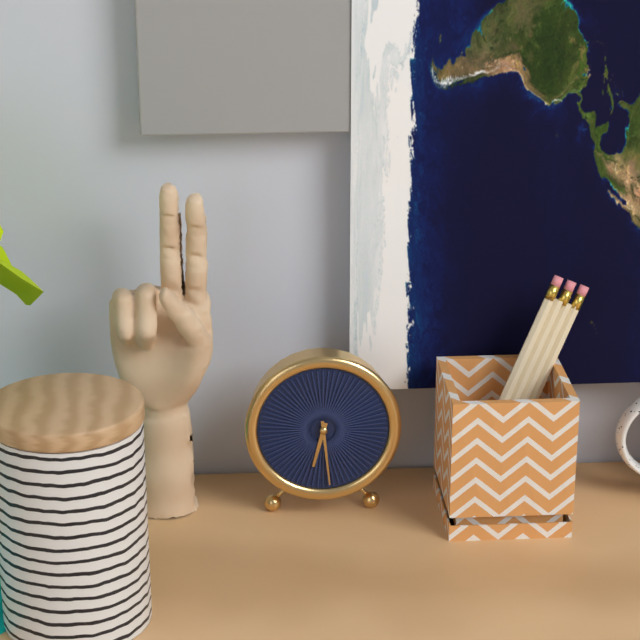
6:29
